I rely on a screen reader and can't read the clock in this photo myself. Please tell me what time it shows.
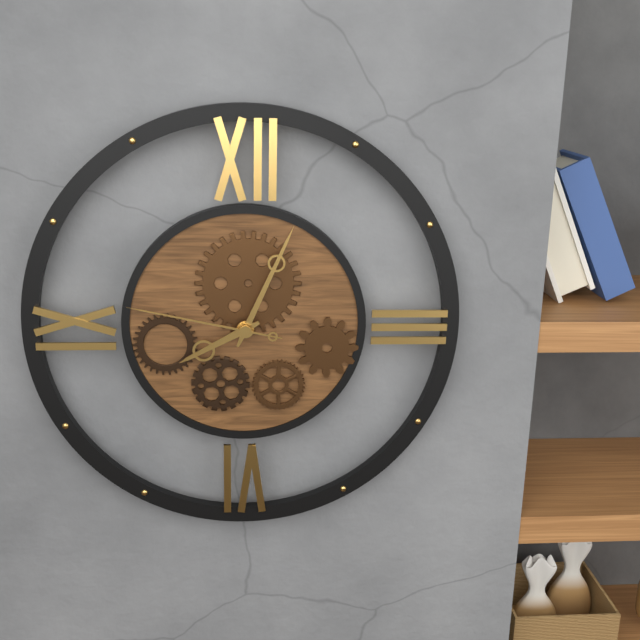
8:04:47
